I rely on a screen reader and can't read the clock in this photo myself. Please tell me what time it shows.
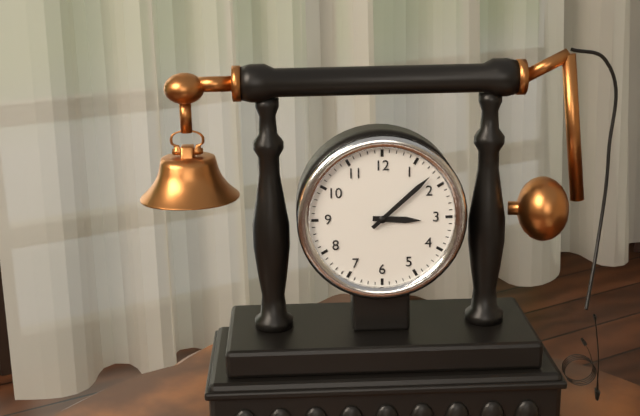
3:08
